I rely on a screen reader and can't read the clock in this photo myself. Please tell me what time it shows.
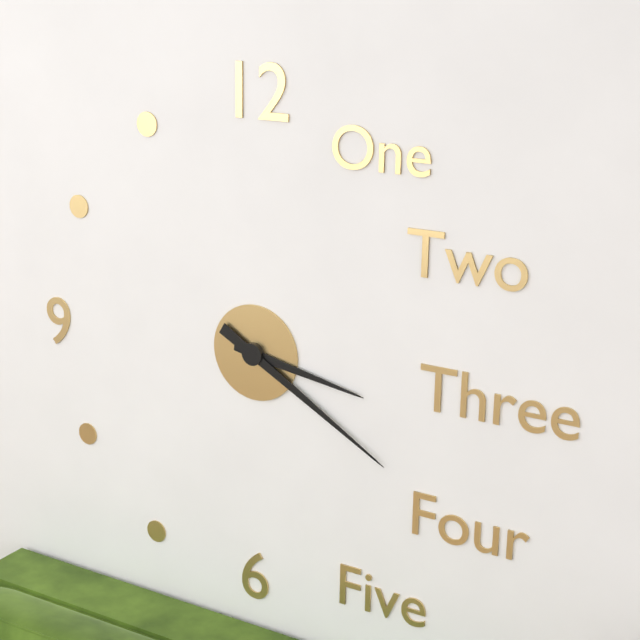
3:20
